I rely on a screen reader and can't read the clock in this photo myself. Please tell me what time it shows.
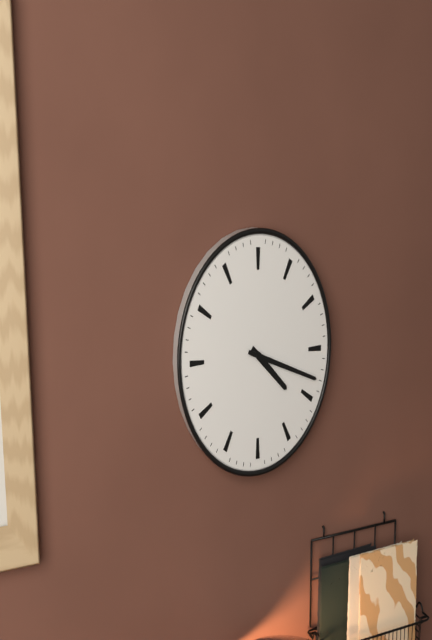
4:18
